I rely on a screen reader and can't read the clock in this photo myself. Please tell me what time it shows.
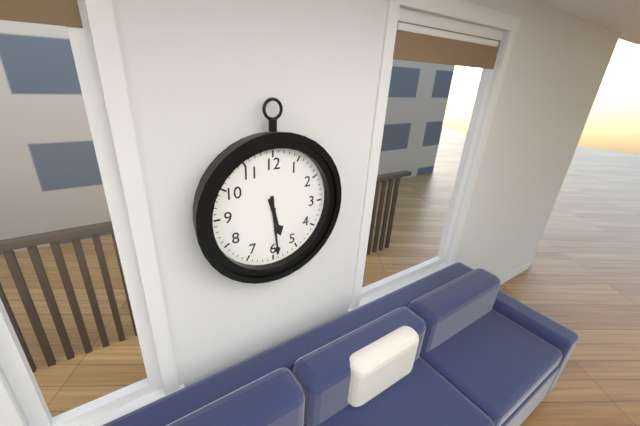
5:29
